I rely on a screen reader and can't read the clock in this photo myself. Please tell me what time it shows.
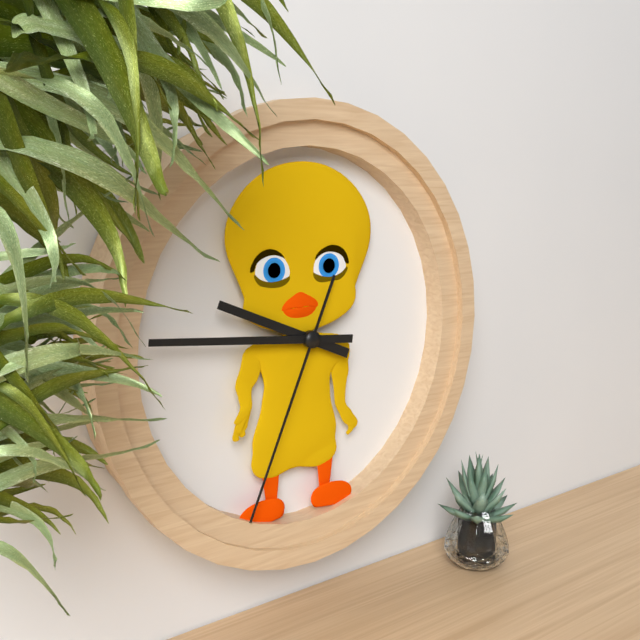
9:46:34
